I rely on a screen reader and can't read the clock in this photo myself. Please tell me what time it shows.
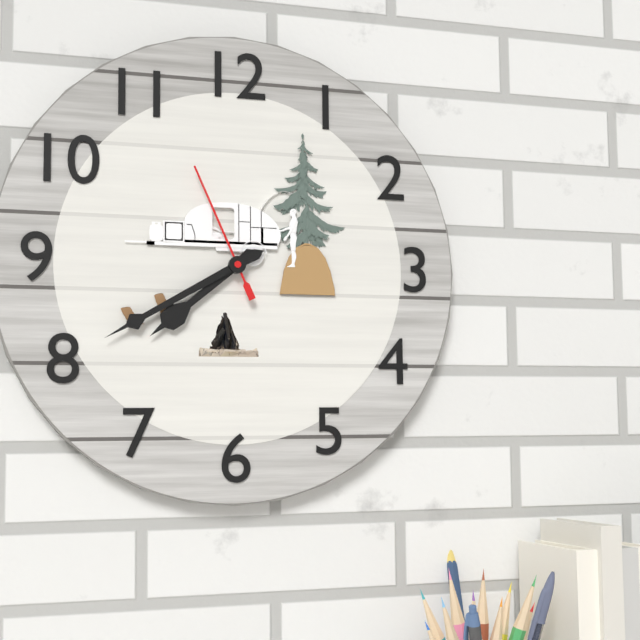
7:40:56
